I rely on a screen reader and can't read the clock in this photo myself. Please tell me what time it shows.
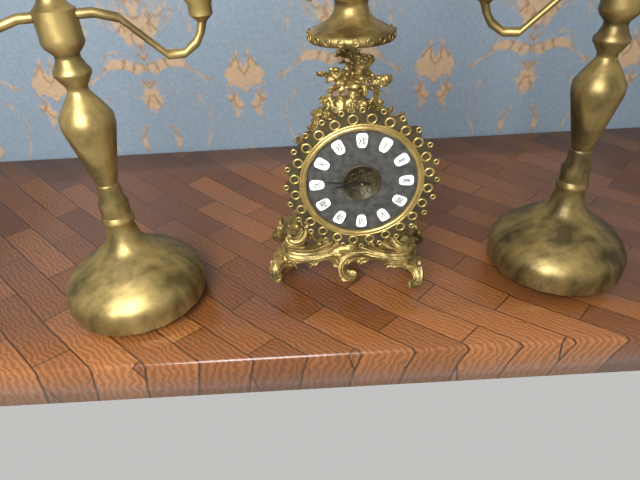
8:46
